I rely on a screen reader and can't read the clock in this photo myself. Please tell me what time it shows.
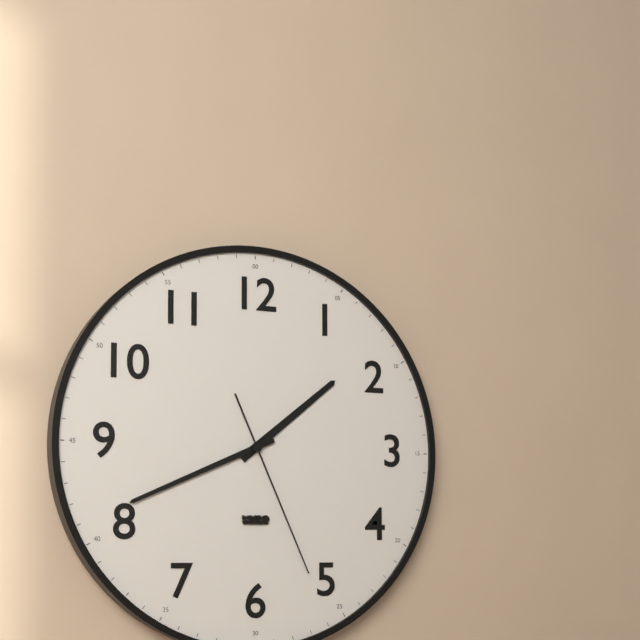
1:41:26
